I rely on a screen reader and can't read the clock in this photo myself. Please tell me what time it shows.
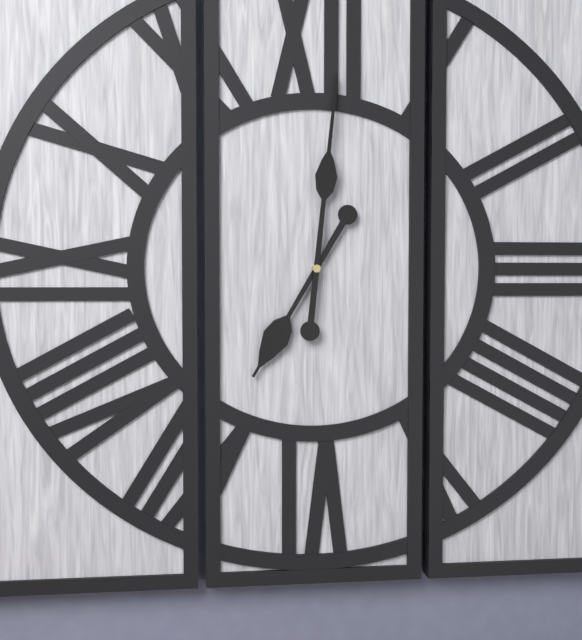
7:01
